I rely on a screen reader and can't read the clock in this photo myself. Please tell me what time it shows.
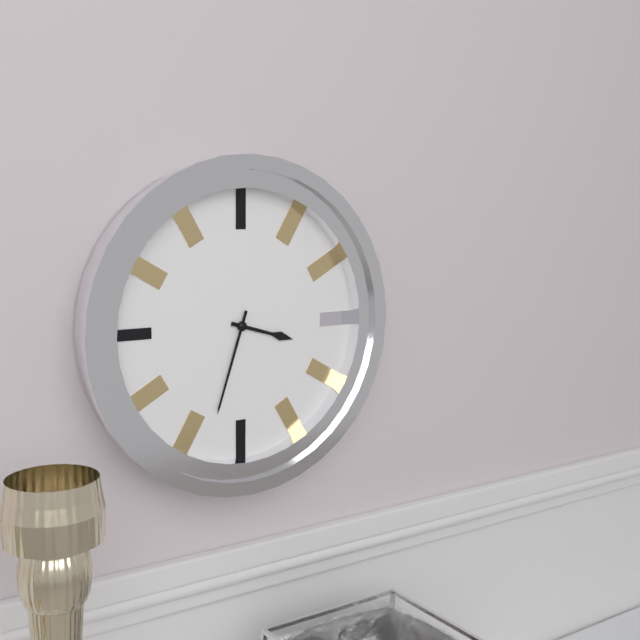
3:33
